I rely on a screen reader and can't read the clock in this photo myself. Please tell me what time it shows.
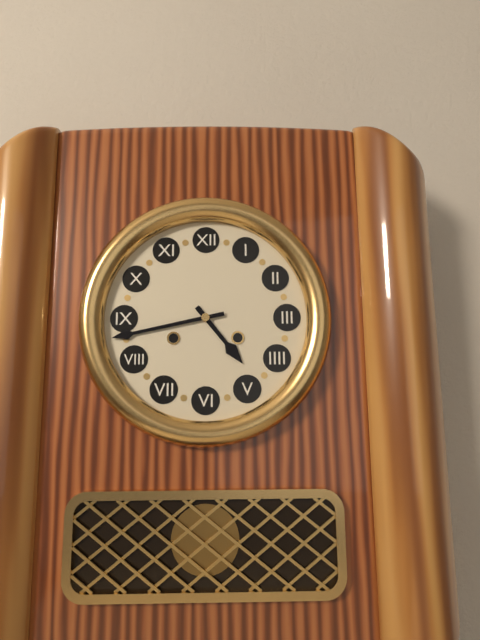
4:43
